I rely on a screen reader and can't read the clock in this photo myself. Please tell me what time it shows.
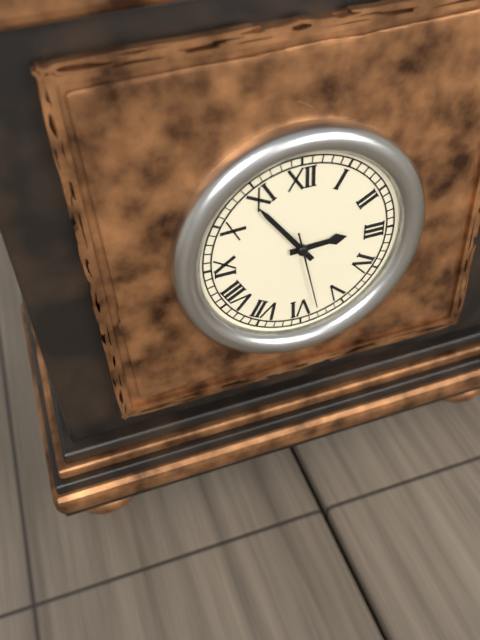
2:54:28
